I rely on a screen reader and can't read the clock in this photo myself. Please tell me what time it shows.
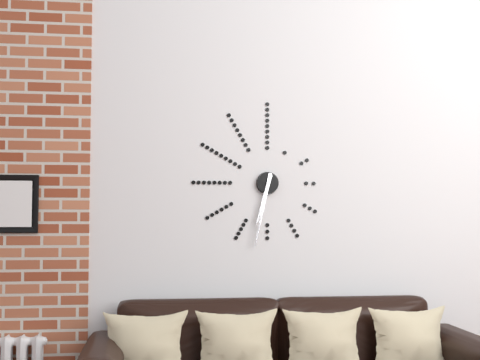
6:32
